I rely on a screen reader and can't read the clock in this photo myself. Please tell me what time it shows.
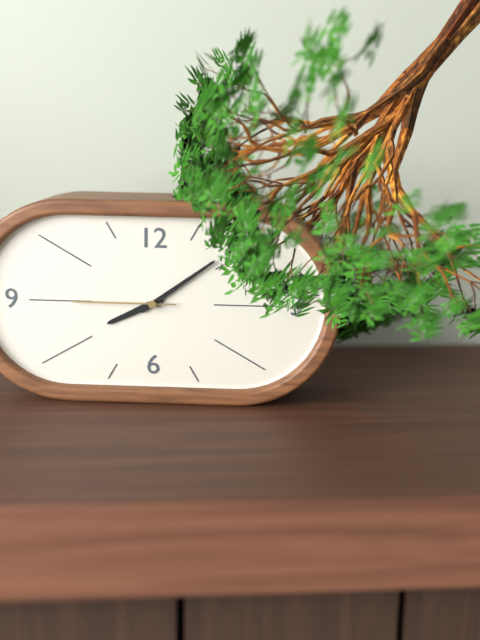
8:09:45
